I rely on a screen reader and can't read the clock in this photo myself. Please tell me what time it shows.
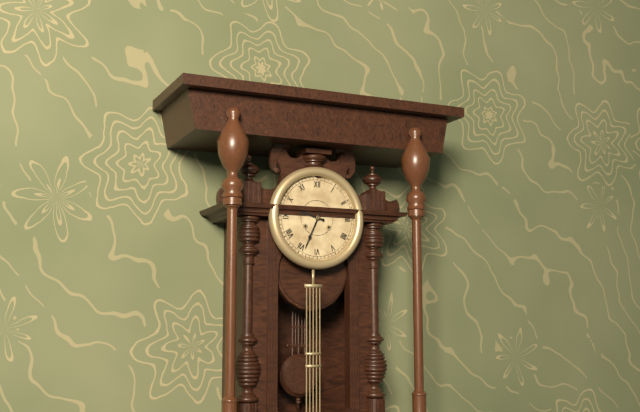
9:34
